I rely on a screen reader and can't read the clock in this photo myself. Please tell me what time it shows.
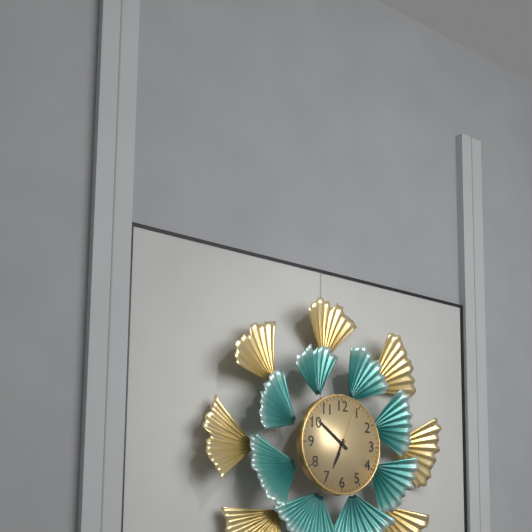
6:51:04
